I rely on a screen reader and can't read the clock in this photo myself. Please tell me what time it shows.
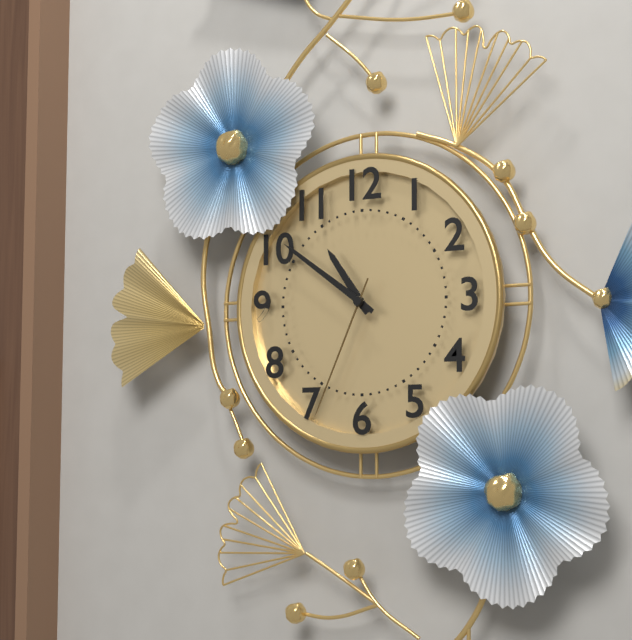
10:51:34
